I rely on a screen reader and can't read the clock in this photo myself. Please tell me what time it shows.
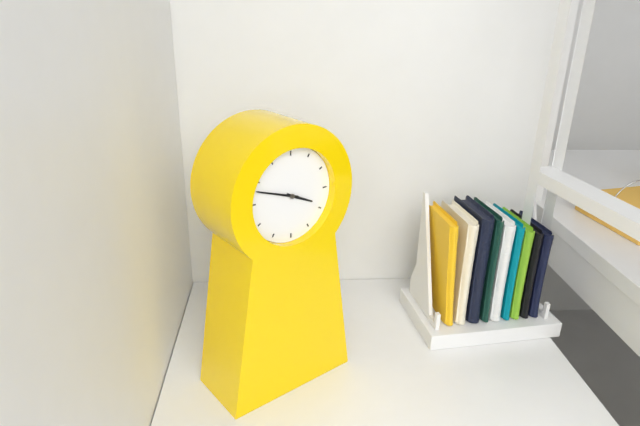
3:48
